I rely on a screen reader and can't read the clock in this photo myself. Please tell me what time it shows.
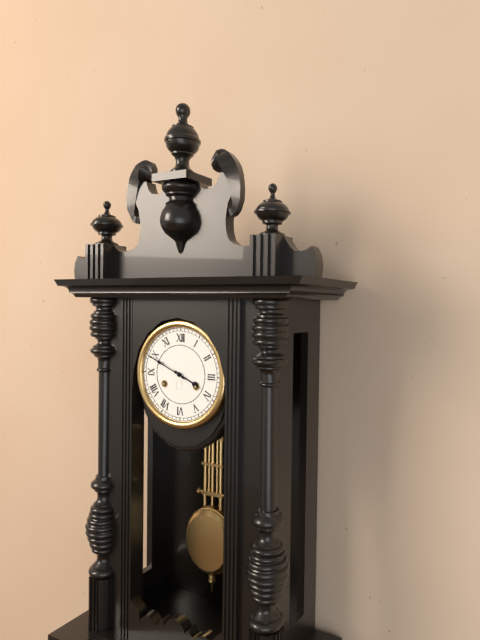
3:49
